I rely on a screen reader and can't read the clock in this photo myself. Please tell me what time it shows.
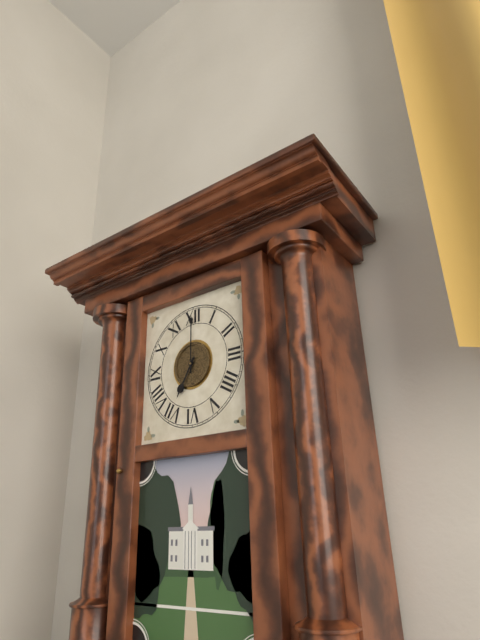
7:00
